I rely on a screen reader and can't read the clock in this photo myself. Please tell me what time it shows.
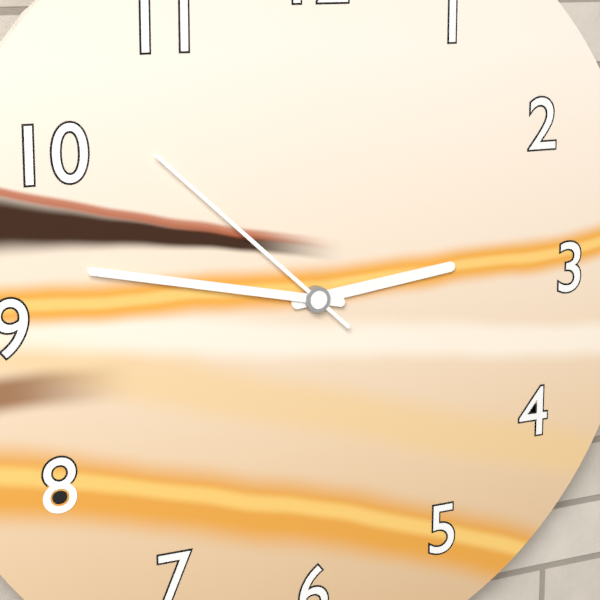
2:47:52
